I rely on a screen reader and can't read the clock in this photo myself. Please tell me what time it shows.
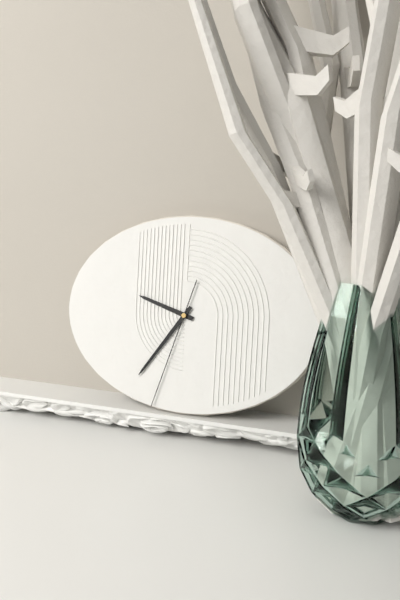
9:36:33
